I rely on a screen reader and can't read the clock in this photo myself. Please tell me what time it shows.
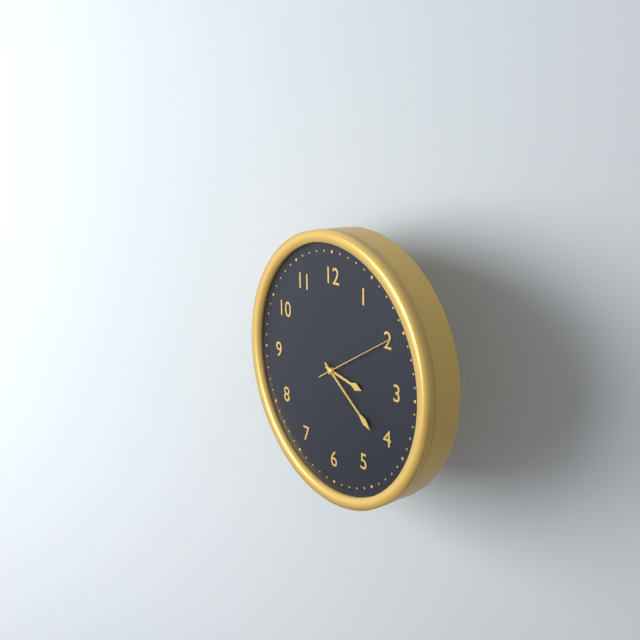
3:21
